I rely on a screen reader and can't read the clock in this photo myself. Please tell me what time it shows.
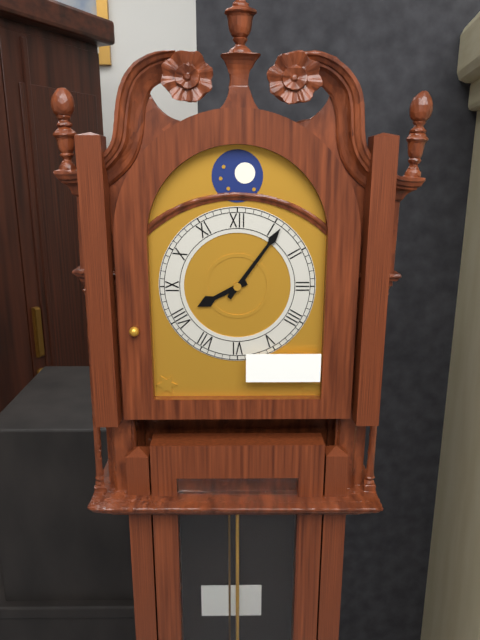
8:06
